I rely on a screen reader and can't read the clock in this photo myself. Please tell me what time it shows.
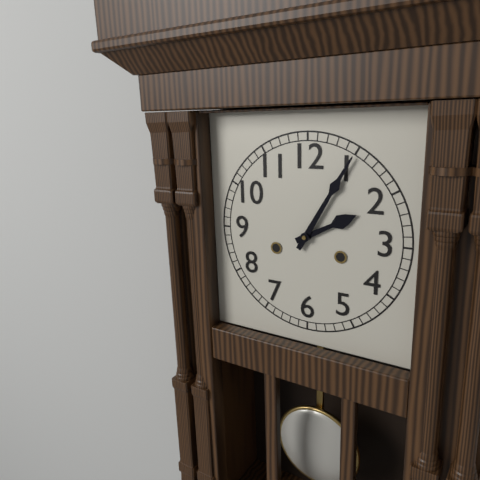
2:05
